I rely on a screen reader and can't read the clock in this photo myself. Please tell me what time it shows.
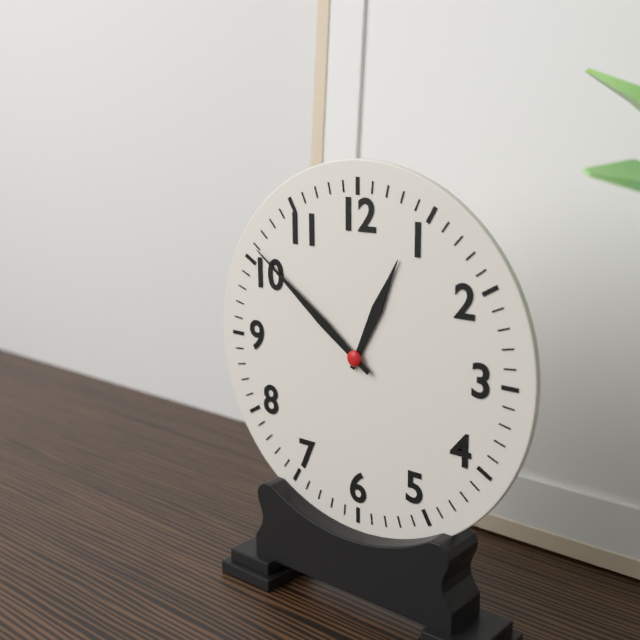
12:51
